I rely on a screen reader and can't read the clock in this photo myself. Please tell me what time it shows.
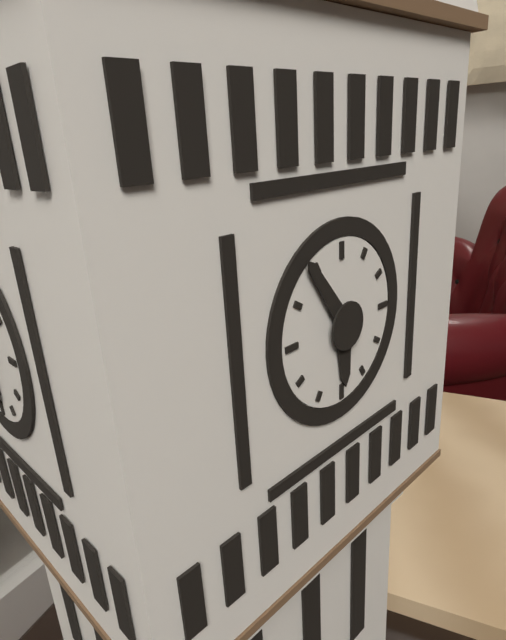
5:54
